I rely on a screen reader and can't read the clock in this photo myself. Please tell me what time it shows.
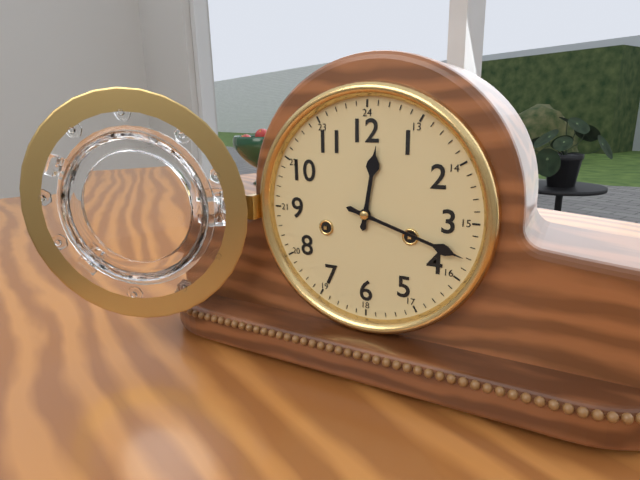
12:18
